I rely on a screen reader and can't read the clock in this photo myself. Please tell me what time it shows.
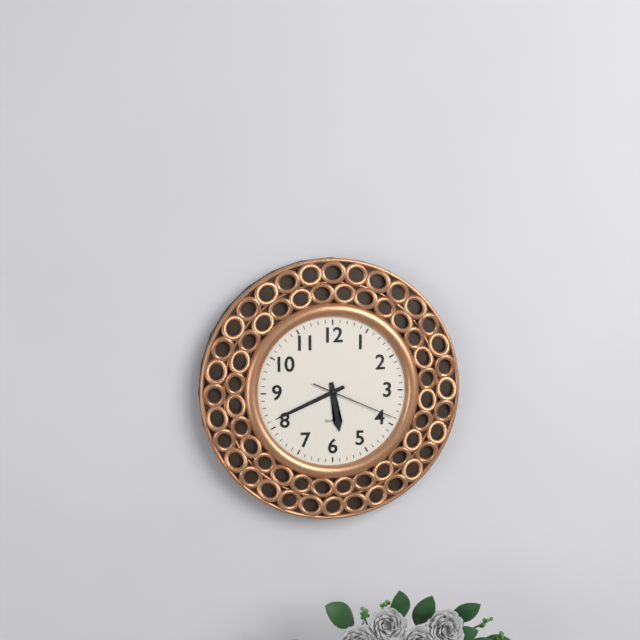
5:41:19
